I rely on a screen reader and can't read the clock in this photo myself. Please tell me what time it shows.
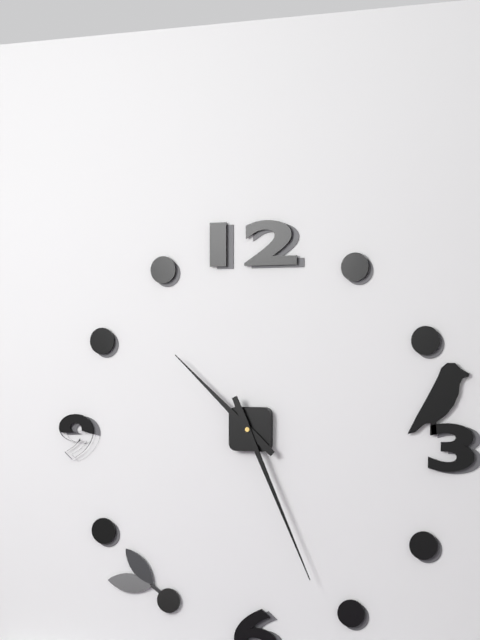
10:26
